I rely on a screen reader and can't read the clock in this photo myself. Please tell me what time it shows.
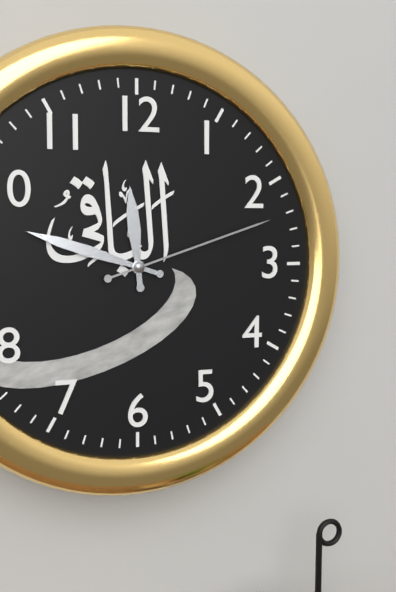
11:48:12
